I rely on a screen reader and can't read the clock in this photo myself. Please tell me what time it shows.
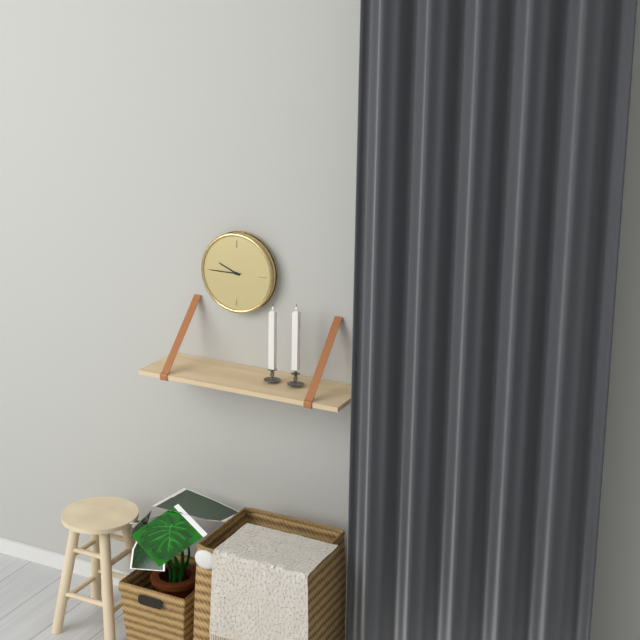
9:45
